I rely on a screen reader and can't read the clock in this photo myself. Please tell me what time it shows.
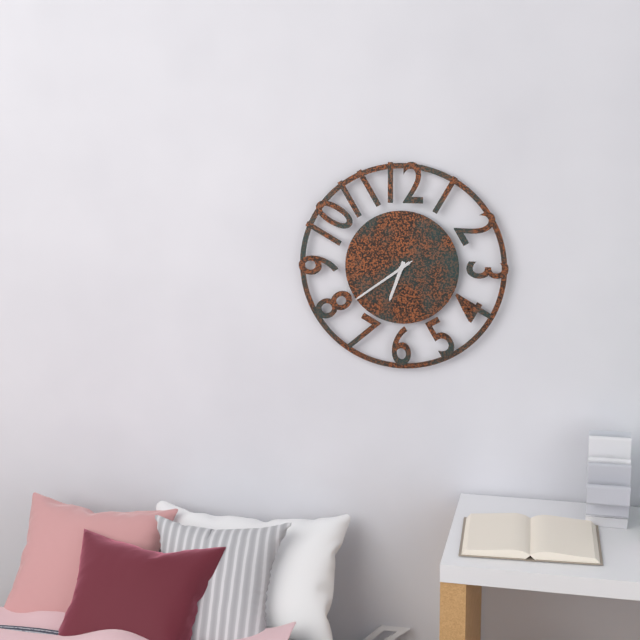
6:39:39
